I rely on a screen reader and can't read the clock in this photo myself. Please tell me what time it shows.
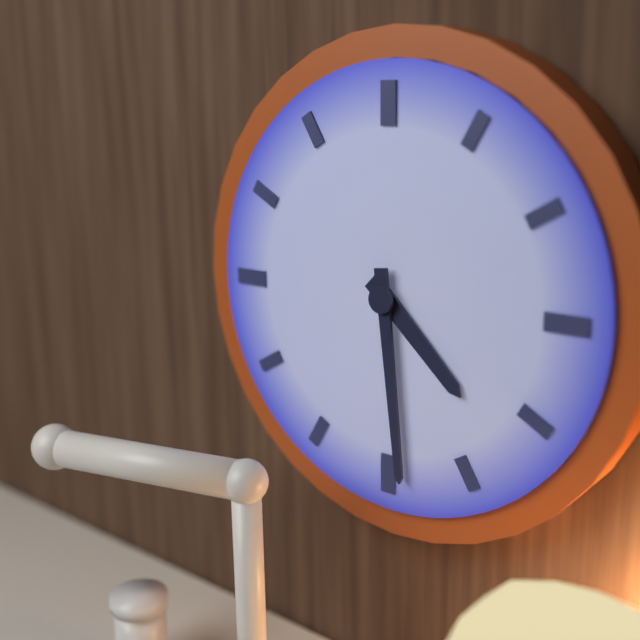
4:29
